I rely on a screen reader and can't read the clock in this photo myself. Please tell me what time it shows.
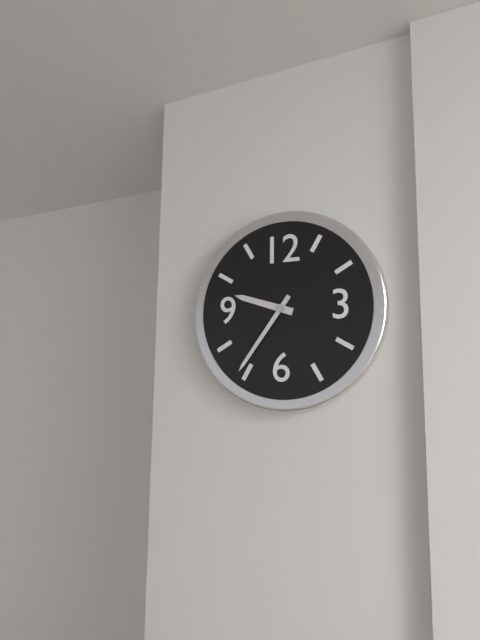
9:36
